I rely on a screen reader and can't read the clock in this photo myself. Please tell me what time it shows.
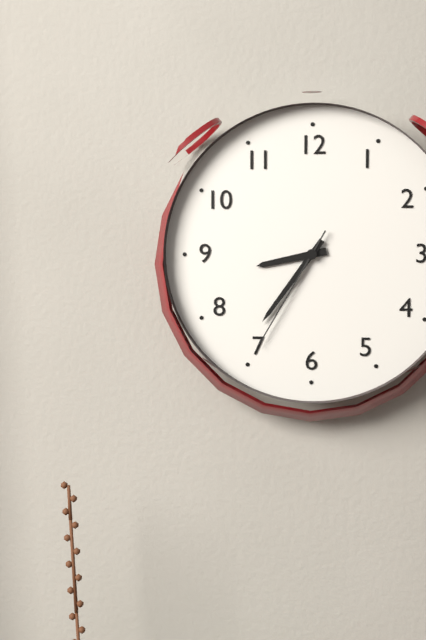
8:36:35
